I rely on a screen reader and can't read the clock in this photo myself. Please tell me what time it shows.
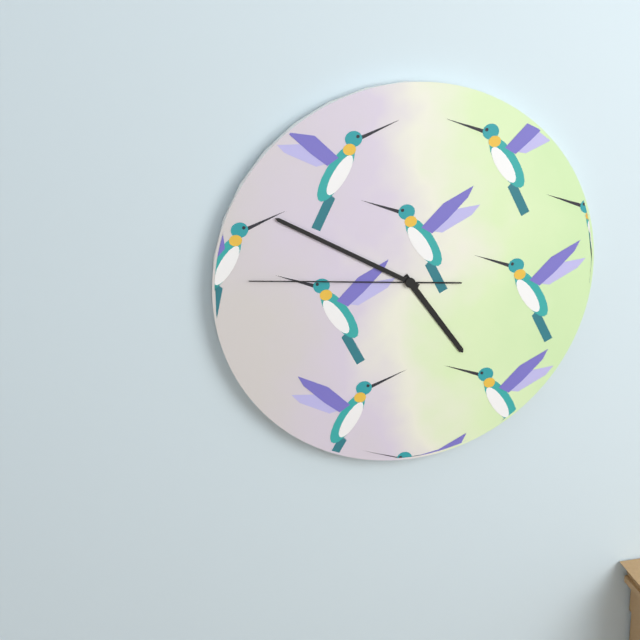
4:50:46
